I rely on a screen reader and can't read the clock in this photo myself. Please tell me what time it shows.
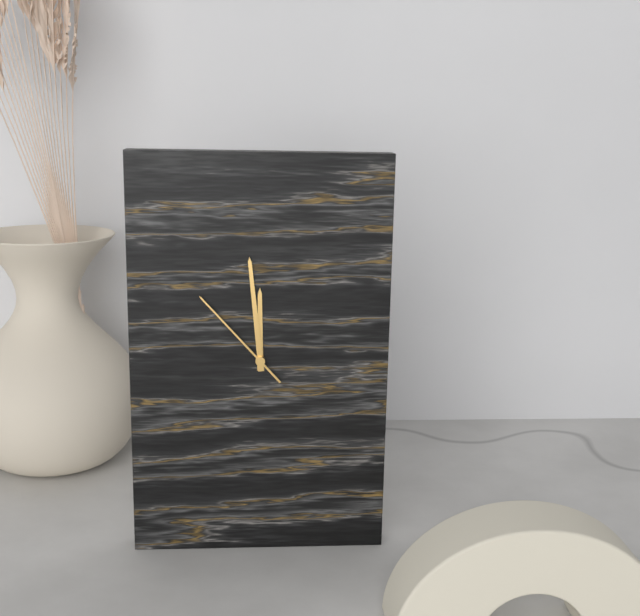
11:59:53
